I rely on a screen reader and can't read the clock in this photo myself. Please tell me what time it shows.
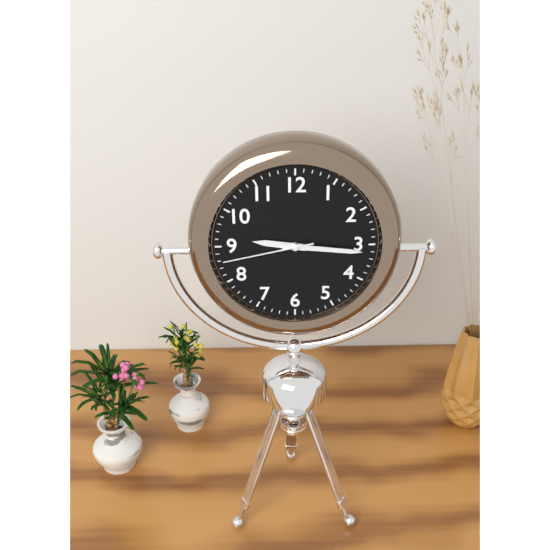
9:16:43
